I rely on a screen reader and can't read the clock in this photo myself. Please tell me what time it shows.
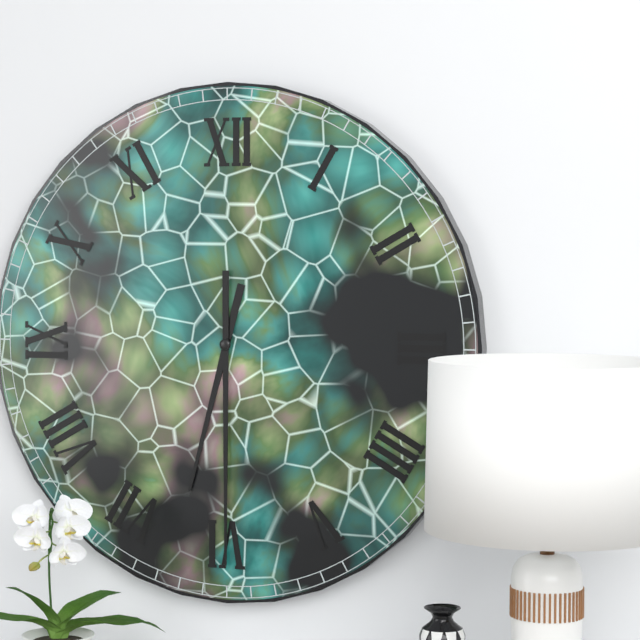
6:30
